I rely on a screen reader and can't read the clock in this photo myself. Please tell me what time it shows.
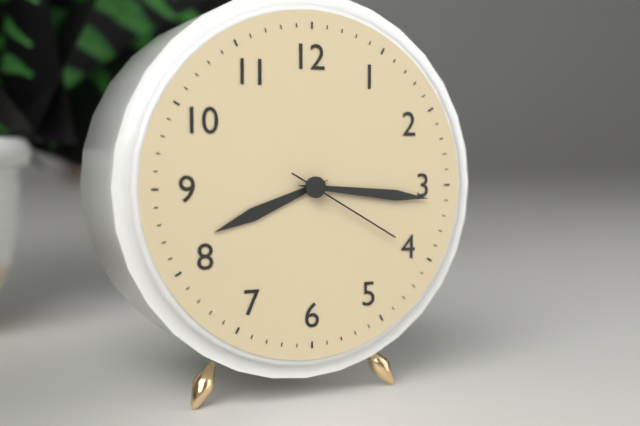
8:16:20
